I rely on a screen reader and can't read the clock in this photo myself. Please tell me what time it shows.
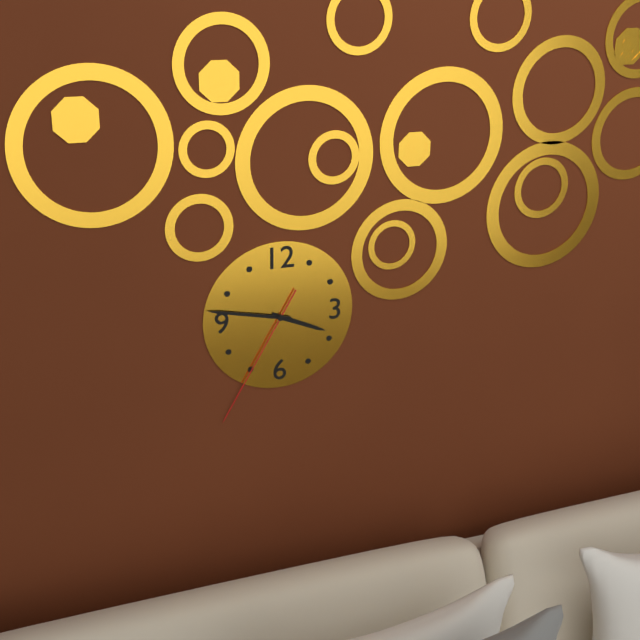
3:47:35
